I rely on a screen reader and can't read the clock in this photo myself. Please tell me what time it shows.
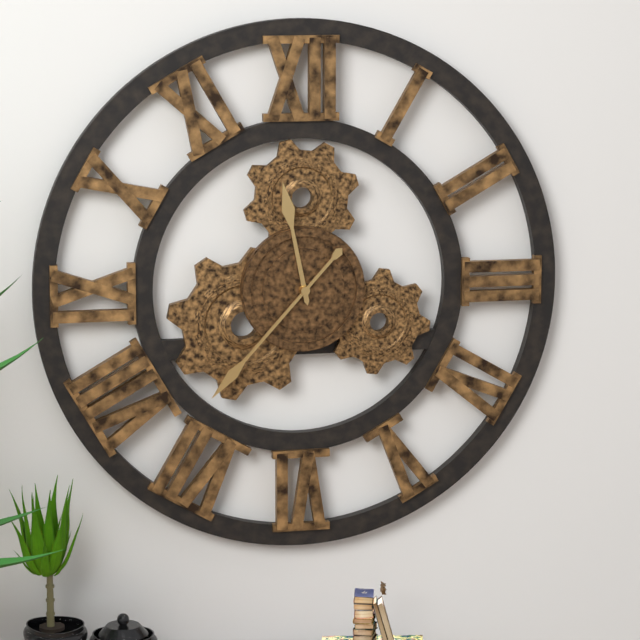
11:37
